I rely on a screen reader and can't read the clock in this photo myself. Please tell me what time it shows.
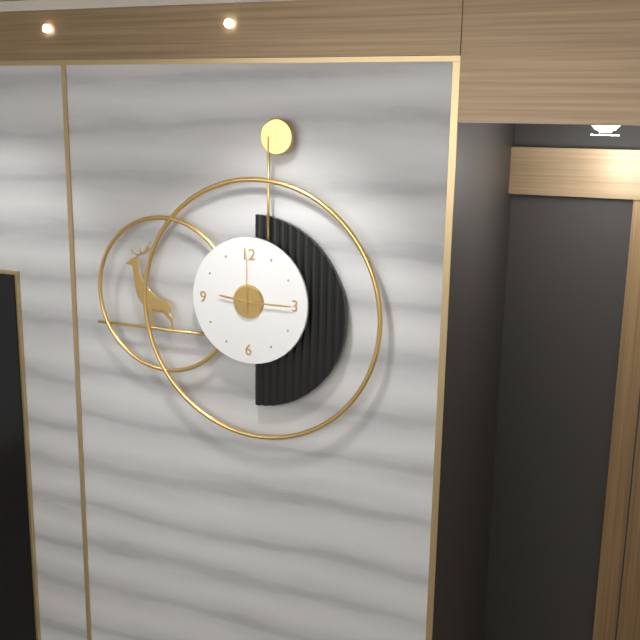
9:15:00
